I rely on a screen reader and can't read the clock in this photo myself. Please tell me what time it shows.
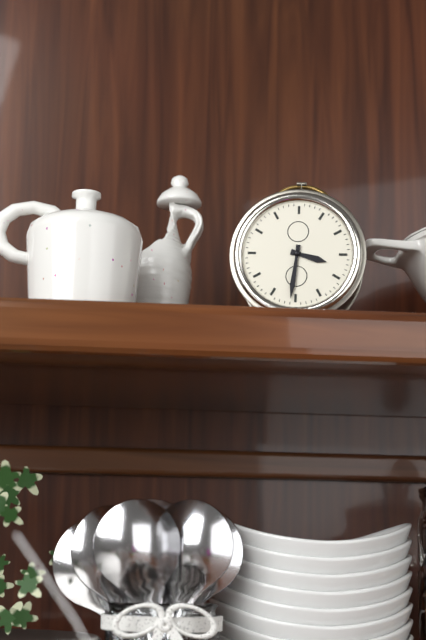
3:31
